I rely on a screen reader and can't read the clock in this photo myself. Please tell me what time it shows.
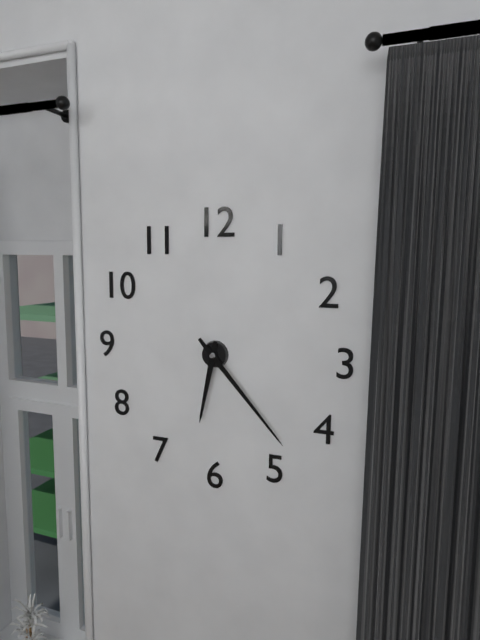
6:23
